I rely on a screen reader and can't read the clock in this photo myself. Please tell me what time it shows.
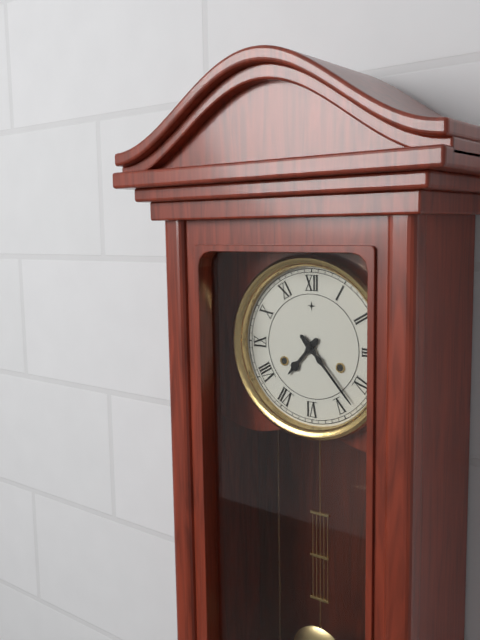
7:23
